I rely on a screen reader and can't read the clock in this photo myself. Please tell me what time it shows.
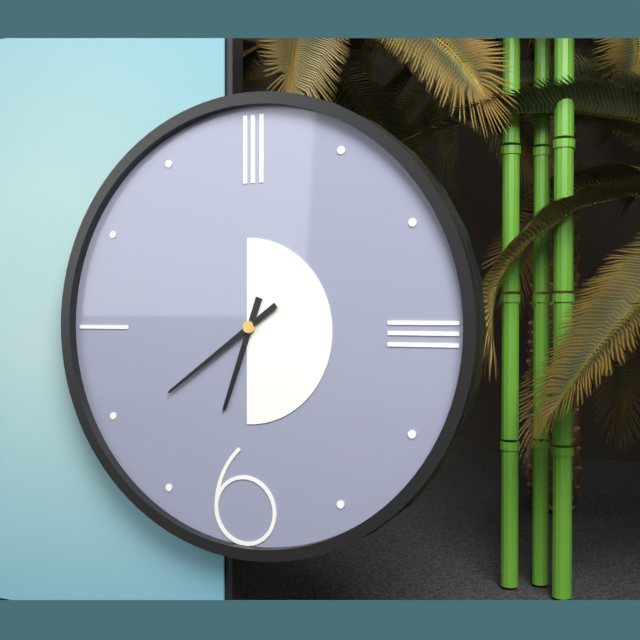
6:39
